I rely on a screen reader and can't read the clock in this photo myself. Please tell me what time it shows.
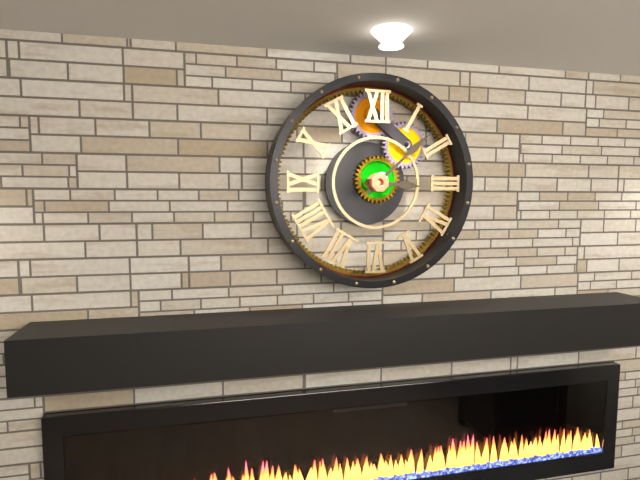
3:08
